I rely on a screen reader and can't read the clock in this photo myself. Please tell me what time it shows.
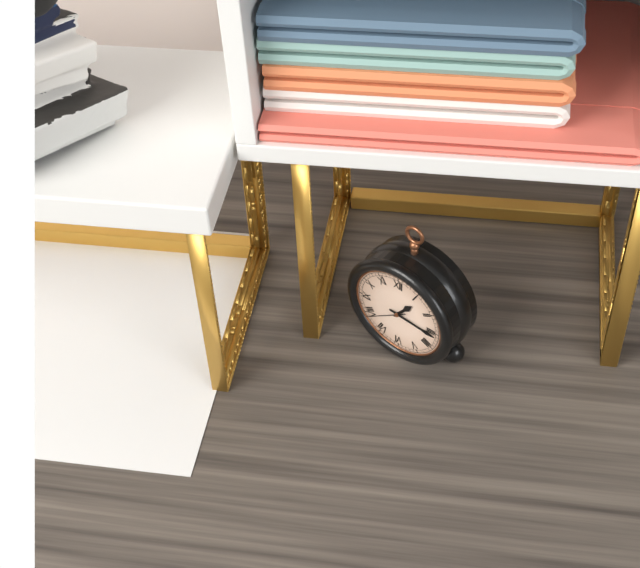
1:16
